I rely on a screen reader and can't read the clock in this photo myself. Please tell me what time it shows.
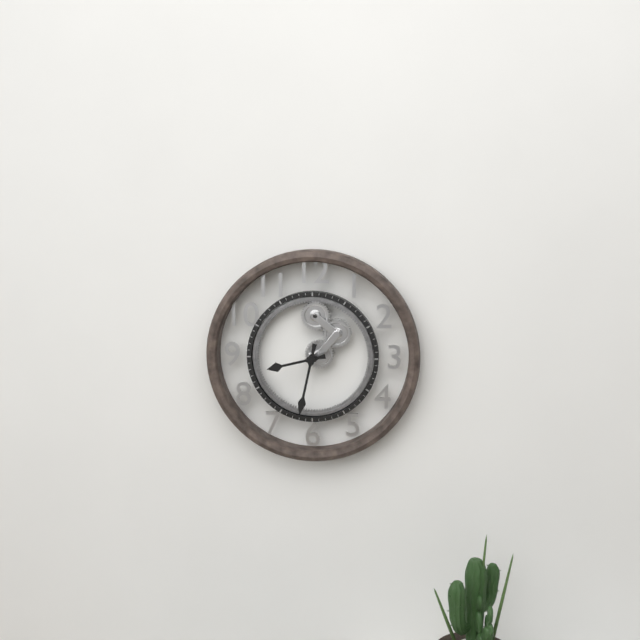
8:32
